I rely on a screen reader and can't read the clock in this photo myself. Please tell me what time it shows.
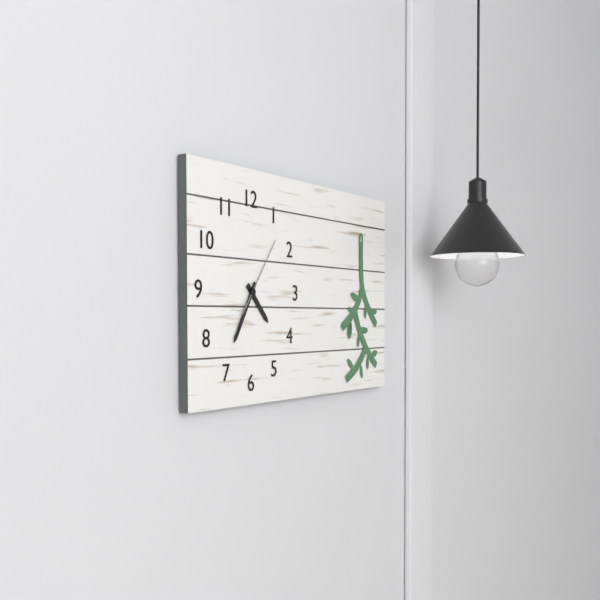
4:35:06
